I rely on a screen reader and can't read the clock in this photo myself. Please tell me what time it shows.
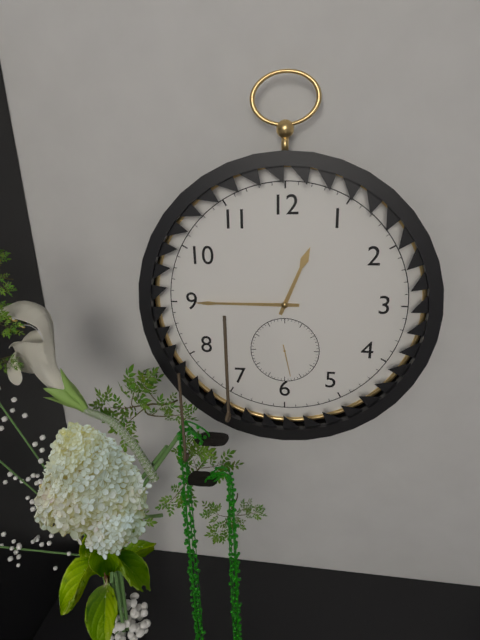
12:45
